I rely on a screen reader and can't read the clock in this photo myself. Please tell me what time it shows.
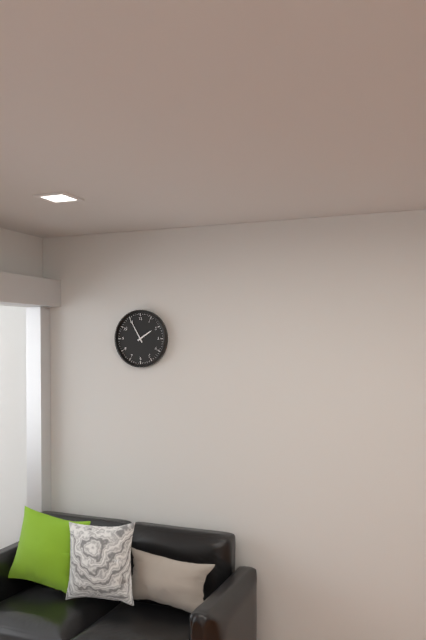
1:55
